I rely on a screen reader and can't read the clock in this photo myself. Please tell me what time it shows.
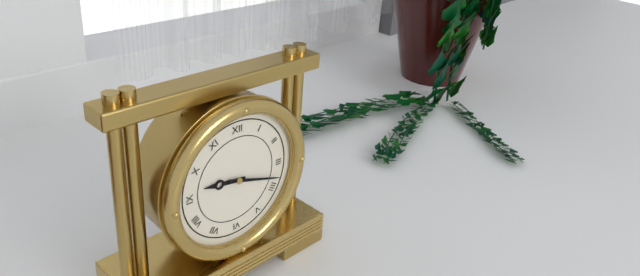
9:18
